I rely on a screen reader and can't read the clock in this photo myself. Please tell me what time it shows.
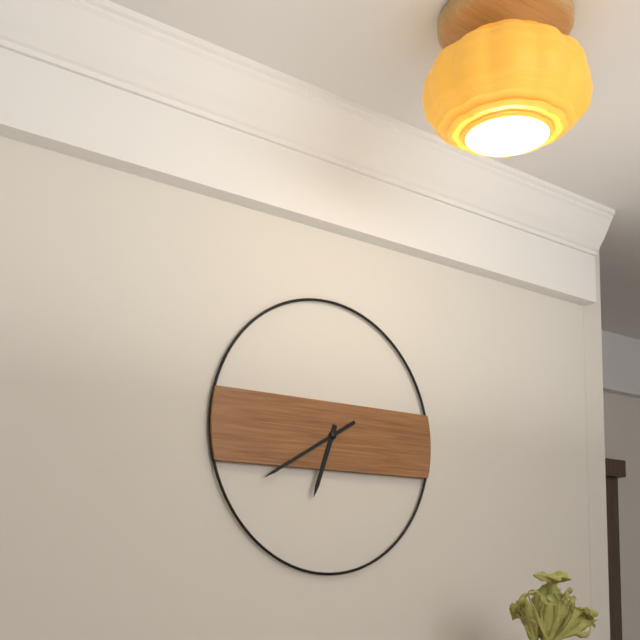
6:40
